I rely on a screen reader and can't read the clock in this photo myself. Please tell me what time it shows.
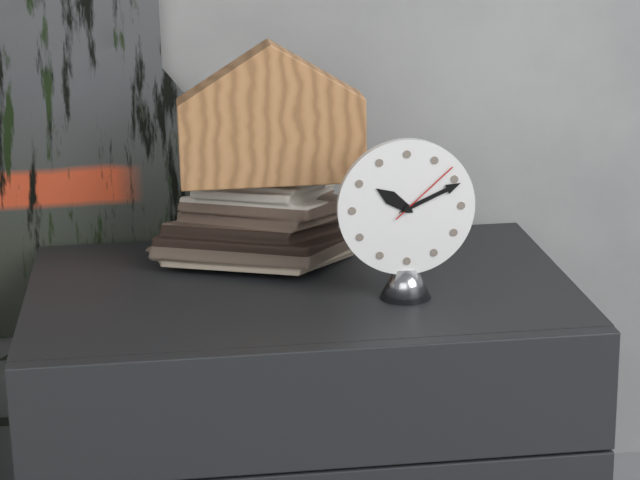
10:11:08
